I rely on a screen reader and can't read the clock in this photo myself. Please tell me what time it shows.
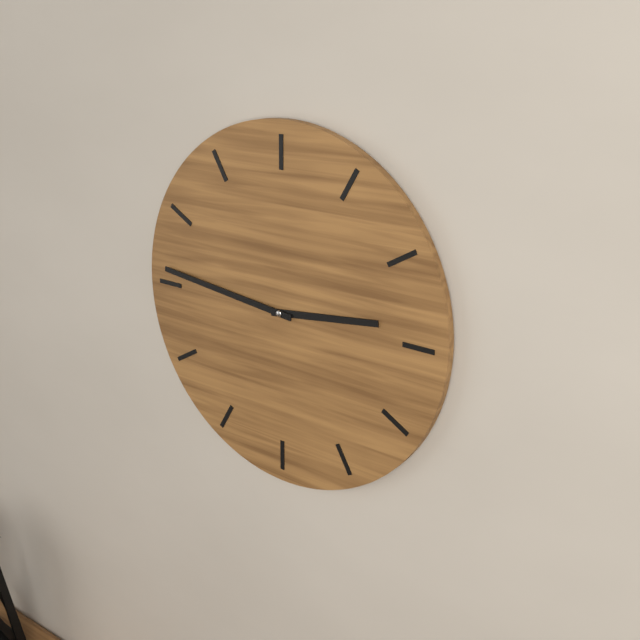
2:46
